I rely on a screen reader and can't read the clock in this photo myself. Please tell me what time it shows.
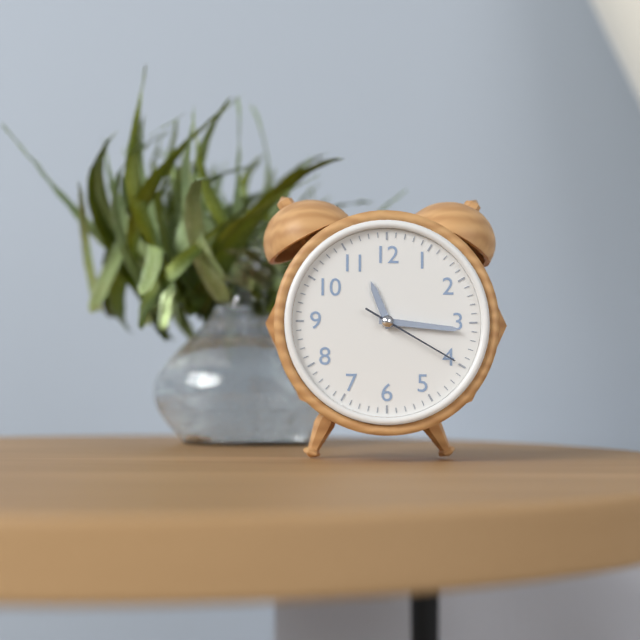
11:16:20
